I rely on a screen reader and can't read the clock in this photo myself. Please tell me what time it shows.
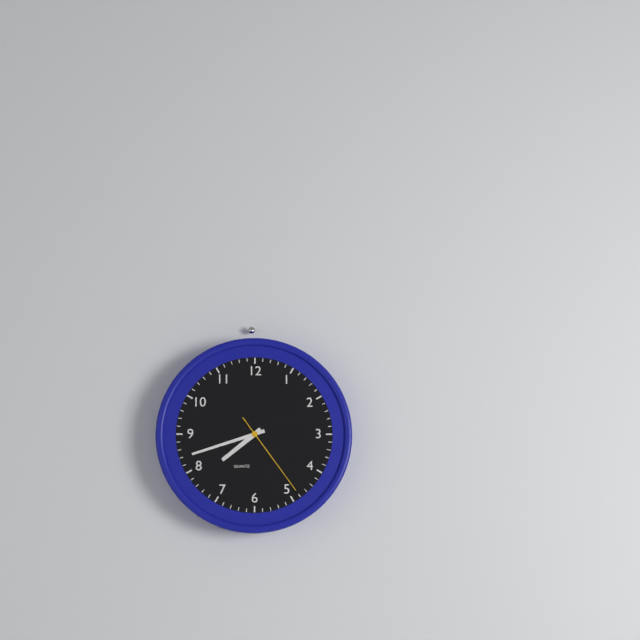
7:42:24
